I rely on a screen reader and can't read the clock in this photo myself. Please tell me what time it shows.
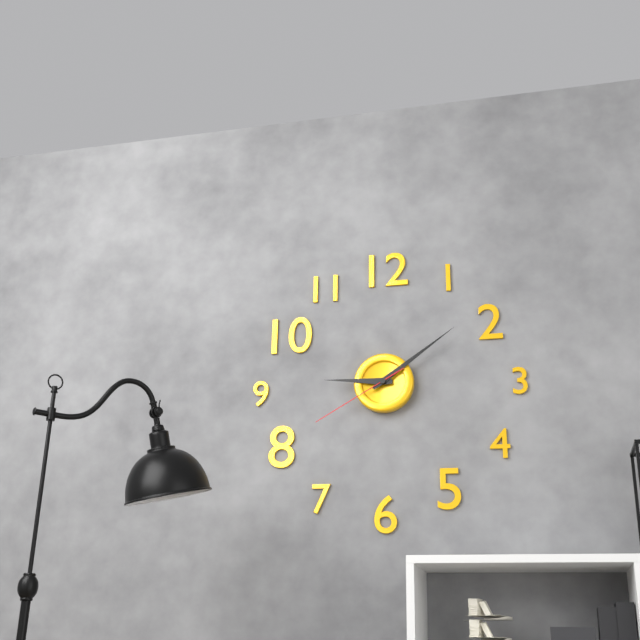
9:09:40
